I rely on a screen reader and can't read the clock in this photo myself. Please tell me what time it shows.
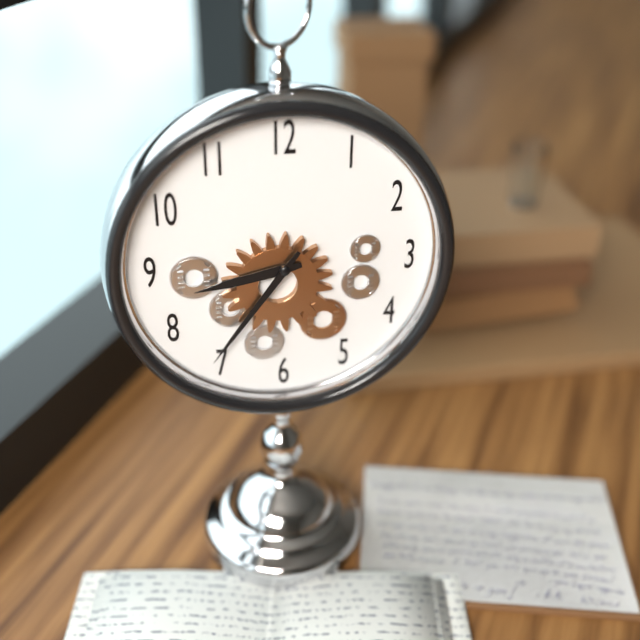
8:36
